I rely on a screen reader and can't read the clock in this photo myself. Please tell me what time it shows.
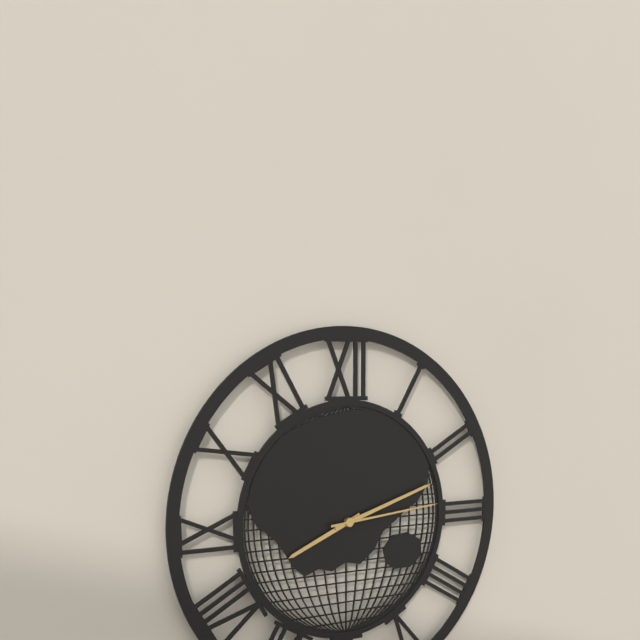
8:12:14
